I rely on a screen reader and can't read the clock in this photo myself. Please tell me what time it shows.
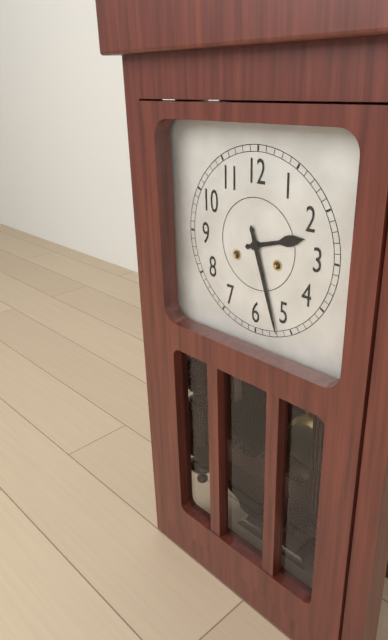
2:27
